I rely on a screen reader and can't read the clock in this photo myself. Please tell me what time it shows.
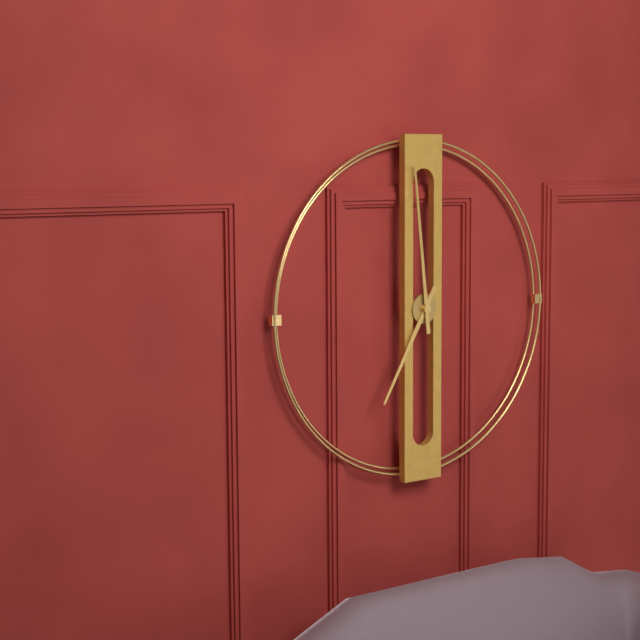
6:59
